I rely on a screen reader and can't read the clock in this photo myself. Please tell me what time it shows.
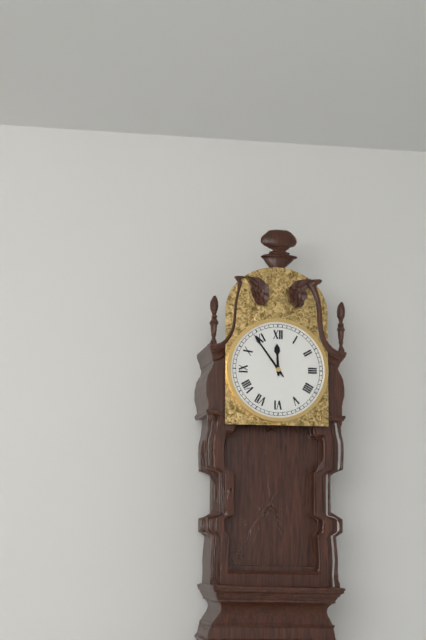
11:54
